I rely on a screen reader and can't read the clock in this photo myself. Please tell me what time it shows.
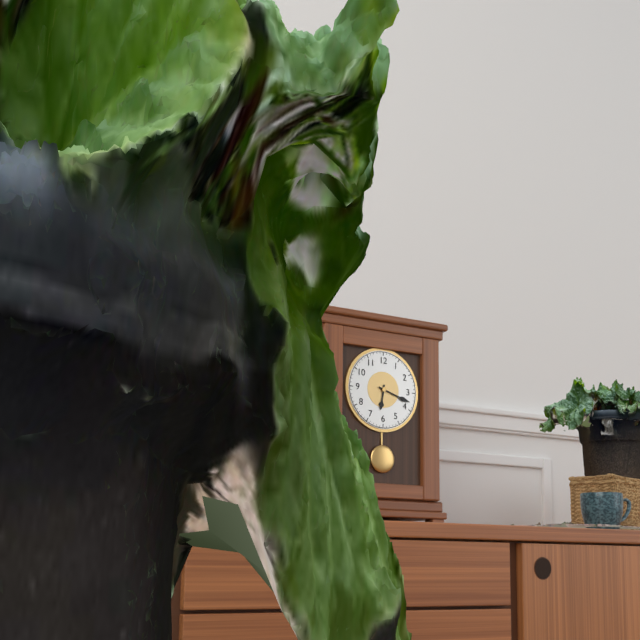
6:18
